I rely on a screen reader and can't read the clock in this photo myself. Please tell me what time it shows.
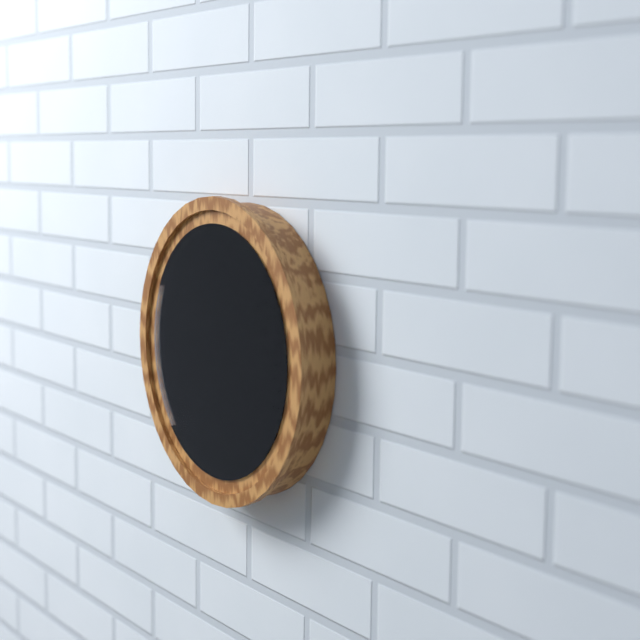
3:15:42
